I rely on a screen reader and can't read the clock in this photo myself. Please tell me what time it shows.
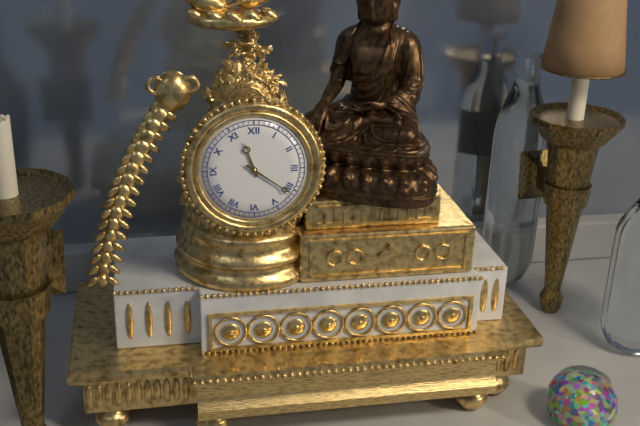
11:21
